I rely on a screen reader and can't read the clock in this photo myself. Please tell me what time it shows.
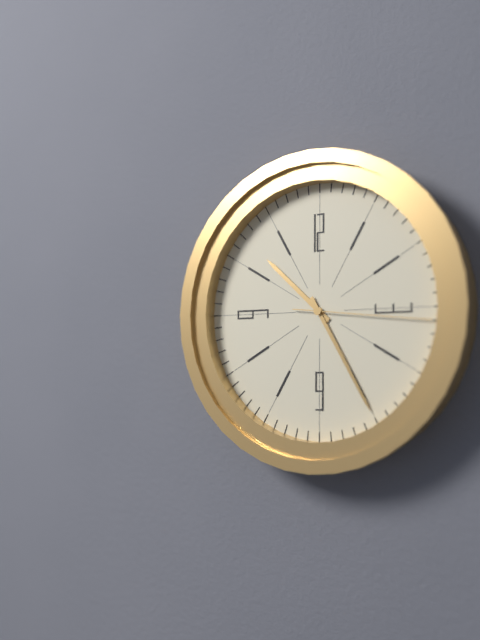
10:25:16
